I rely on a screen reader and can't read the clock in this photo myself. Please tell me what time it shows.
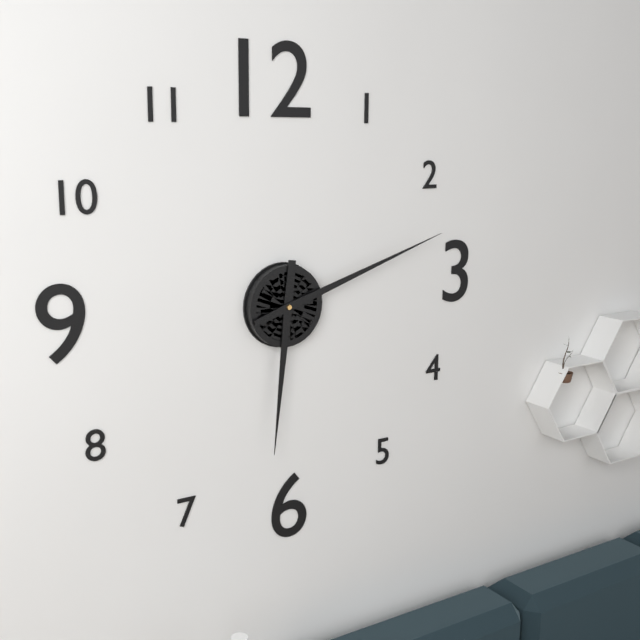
6:12
